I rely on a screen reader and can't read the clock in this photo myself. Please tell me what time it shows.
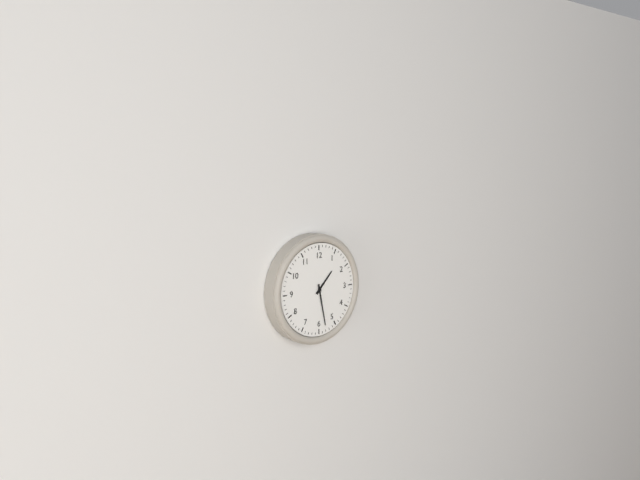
1:28
